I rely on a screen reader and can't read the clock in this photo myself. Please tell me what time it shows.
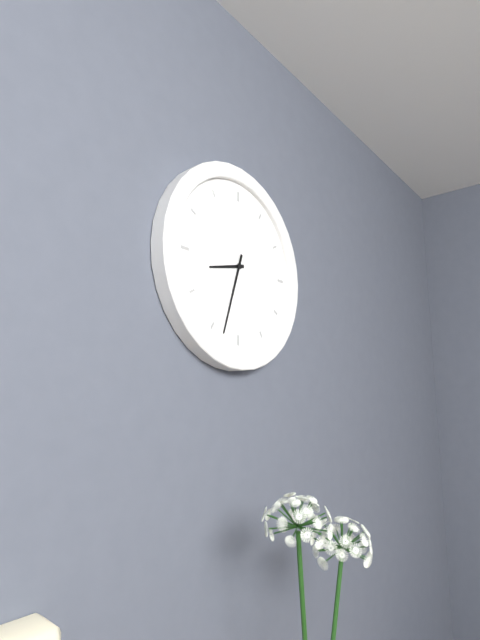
8:33
